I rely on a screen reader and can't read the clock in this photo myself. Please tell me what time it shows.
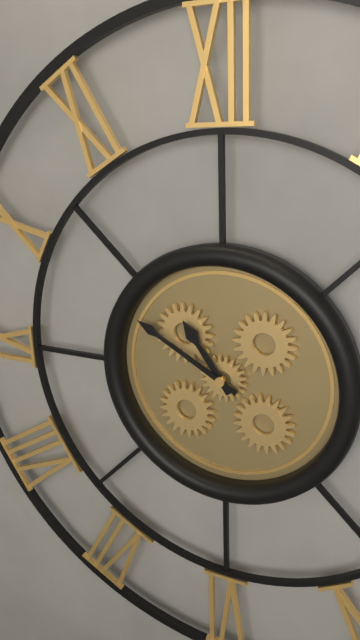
10:50
